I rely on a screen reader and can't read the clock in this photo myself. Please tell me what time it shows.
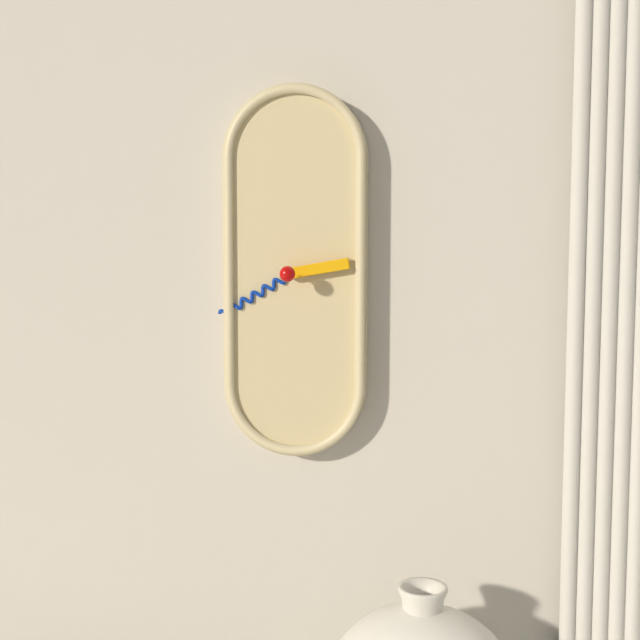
2:40
